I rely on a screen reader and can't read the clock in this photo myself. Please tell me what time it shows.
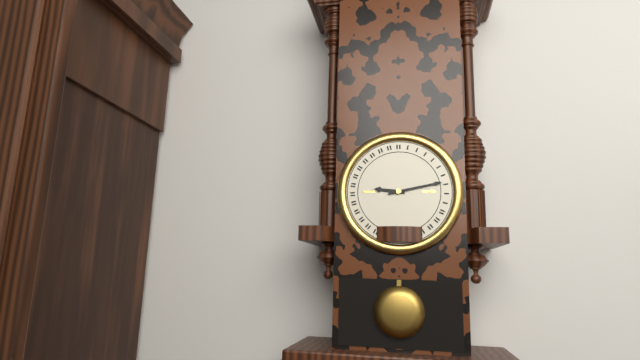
9:13
